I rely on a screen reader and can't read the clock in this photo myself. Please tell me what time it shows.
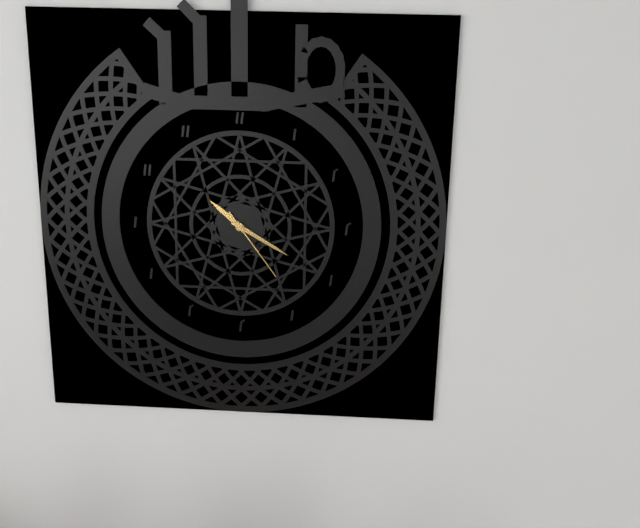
10:20:24
